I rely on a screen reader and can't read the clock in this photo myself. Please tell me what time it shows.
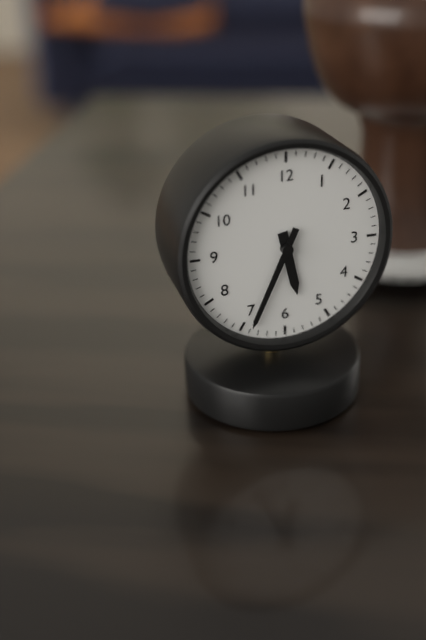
5:34
